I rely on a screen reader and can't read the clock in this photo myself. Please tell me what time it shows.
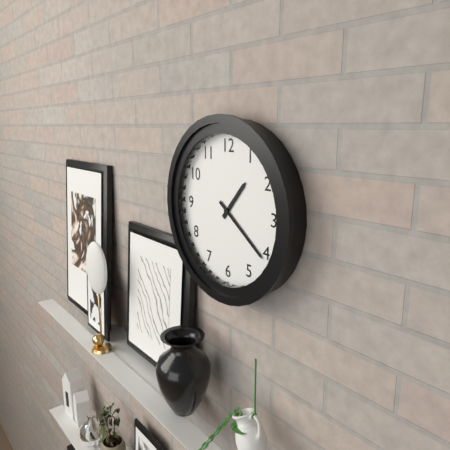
1:21
